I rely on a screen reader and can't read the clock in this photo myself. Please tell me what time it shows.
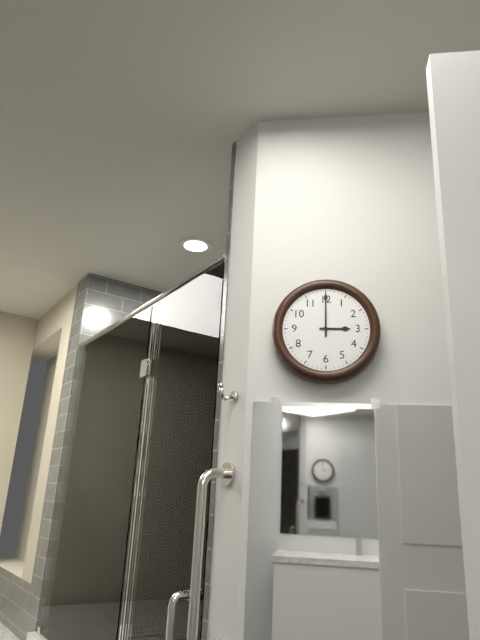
3:00
